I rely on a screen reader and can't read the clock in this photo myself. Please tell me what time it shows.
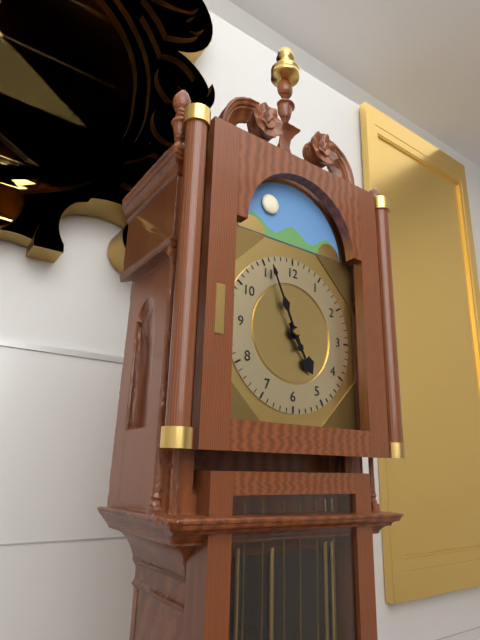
4:56
